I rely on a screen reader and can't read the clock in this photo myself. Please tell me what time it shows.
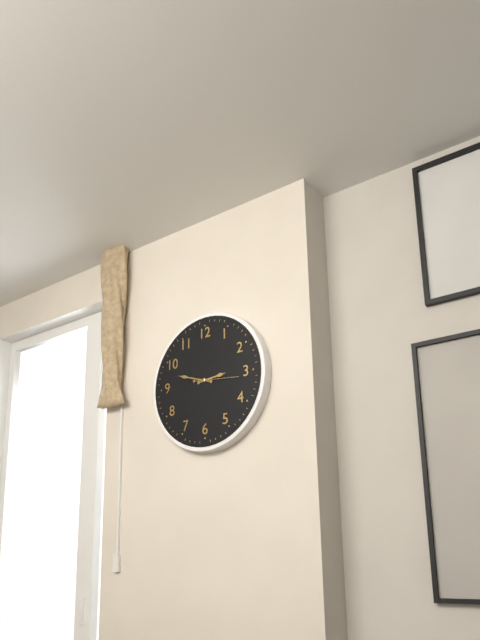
2:48
